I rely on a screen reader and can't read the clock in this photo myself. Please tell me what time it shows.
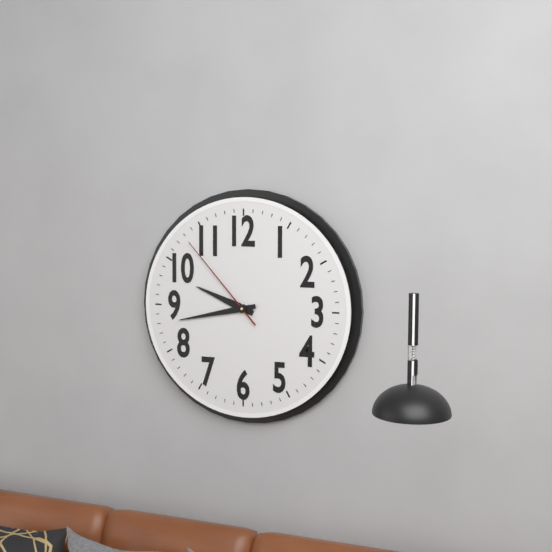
9:43:53
